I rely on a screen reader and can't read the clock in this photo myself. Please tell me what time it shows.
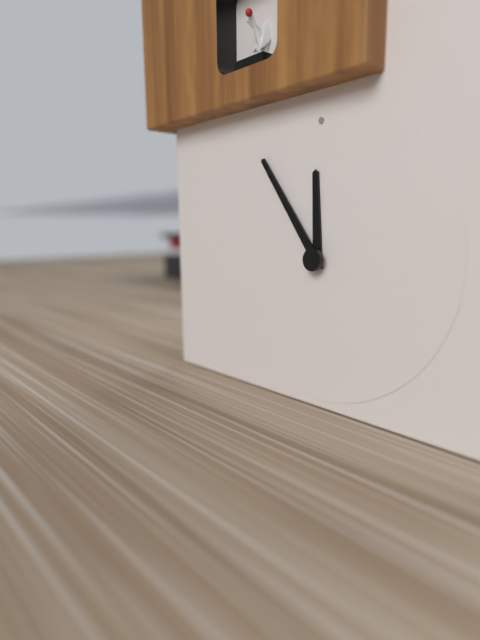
11:54
